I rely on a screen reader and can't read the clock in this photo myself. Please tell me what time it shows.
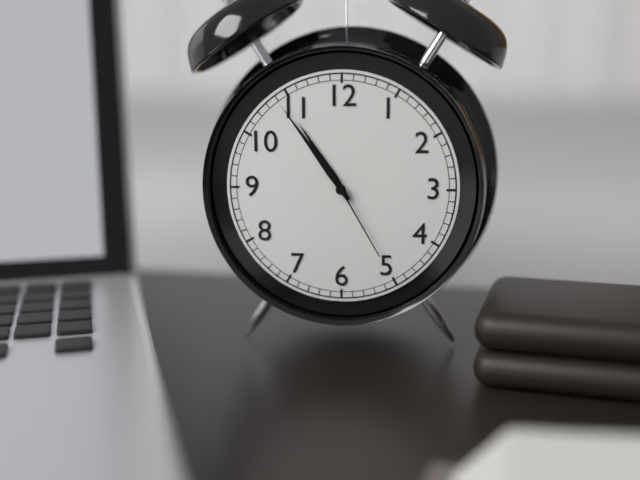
10:54:25
